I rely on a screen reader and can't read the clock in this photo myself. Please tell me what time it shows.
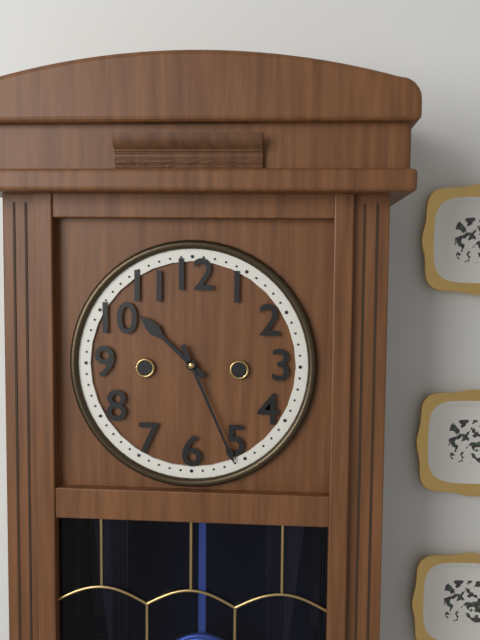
10:26
